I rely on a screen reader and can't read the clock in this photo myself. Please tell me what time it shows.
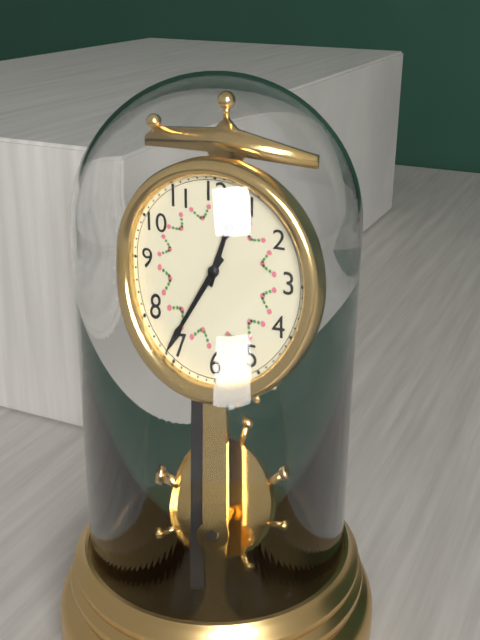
12:36
